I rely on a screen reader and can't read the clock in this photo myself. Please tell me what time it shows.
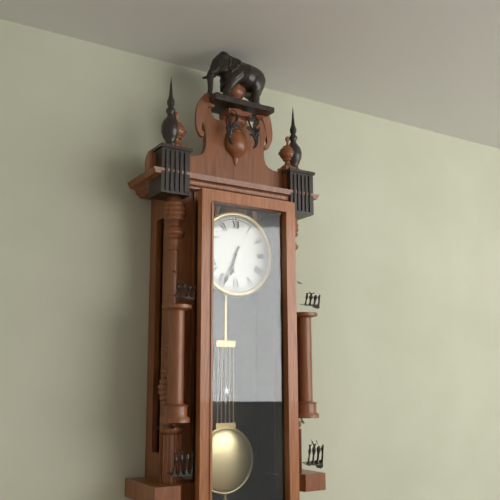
6:34
